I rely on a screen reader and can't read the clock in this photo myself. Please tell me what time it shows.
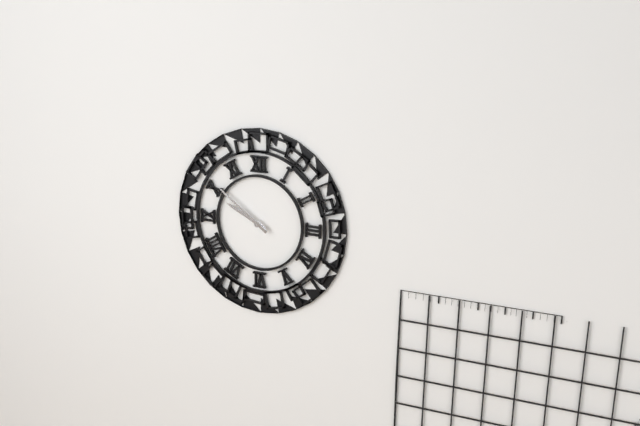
9:51
